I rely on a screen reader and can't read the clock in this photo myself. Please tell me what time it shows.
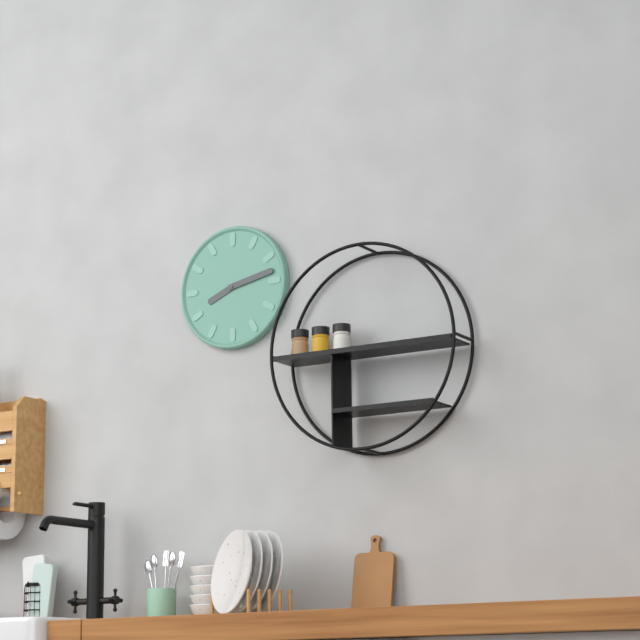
8:13
